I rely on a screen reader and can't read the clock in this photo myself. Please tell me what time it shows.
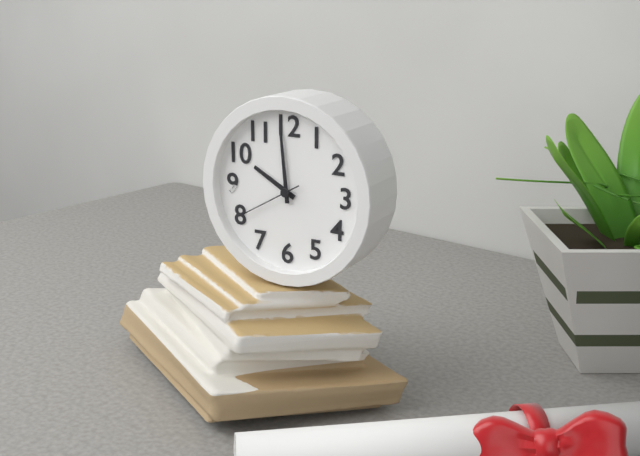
9:59:40
